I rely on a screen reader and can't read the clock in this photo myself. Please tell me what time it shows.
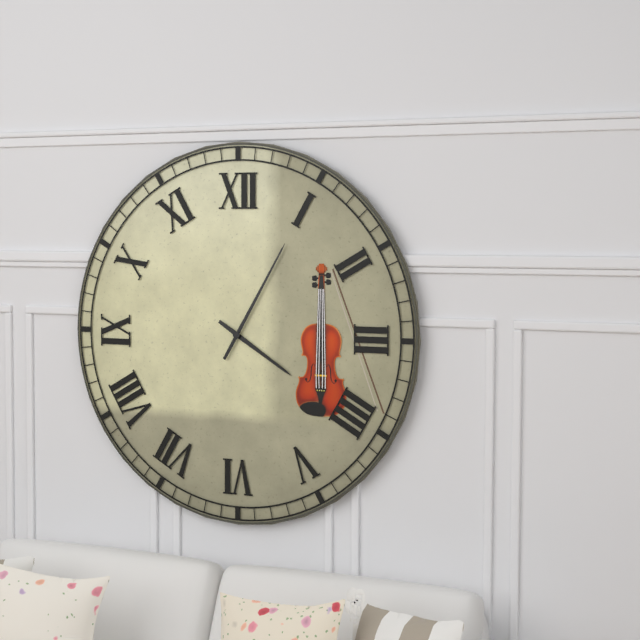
4:05
